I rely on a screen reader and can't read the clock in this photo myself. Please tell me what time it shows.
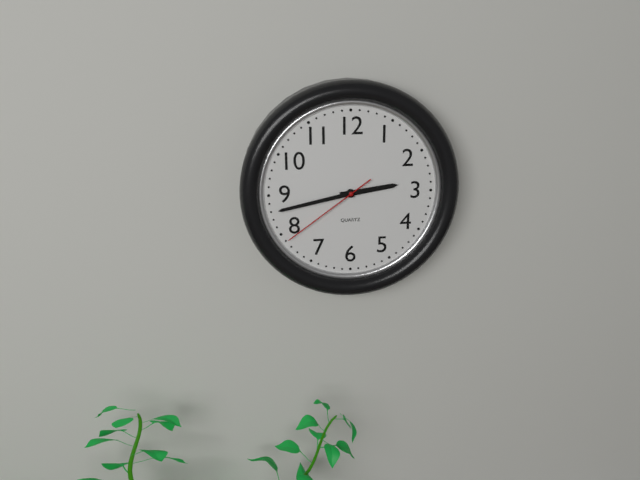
2:43:39
